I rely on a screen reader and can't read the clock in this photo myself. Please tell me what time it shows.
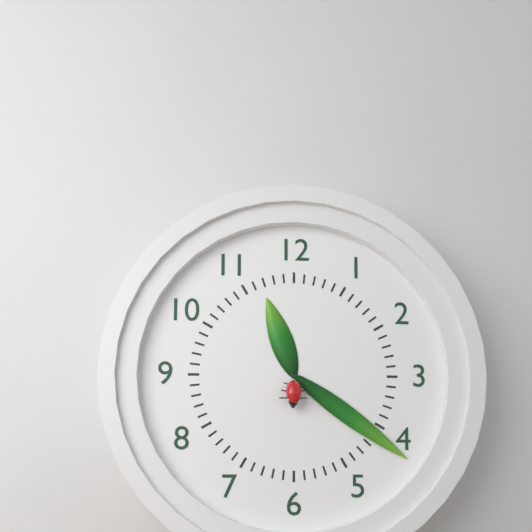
11:21
